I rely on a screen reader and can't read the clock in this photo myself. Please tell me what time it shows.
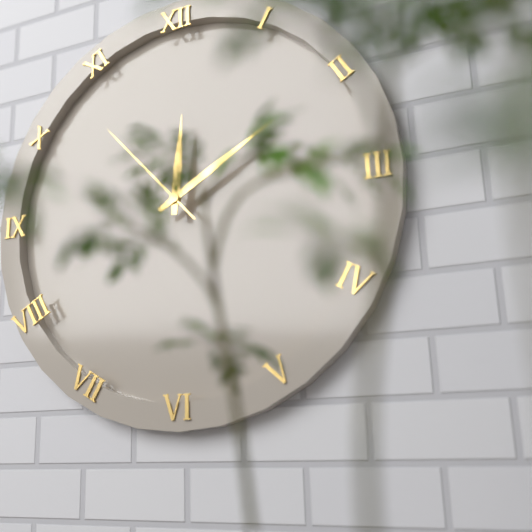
12:10:53
